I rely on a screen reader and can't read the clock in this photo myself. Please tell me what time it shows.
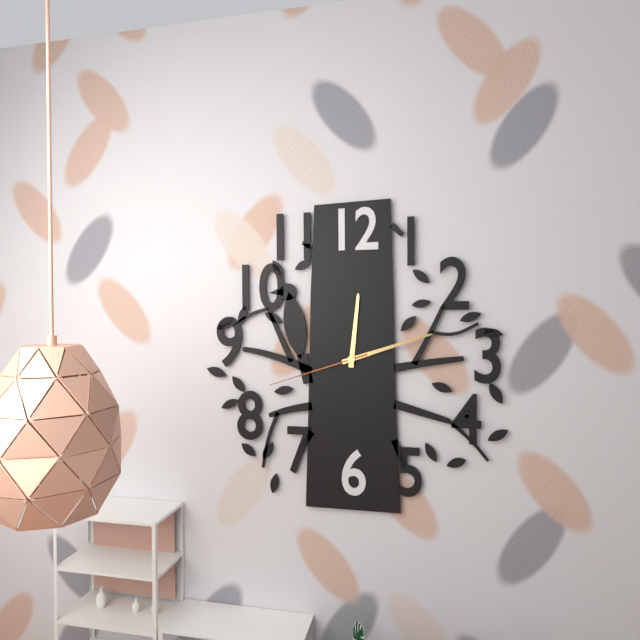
12:12:42
